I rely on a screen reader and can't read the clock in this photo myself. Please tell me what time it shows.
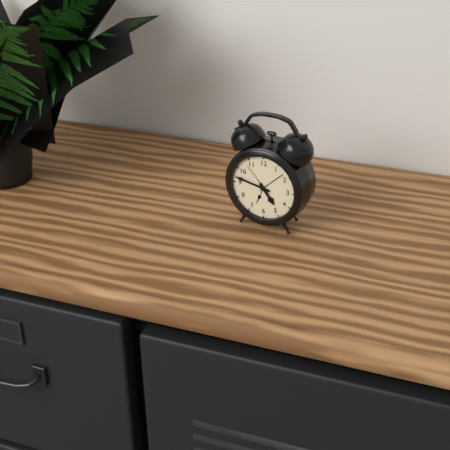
4:47
